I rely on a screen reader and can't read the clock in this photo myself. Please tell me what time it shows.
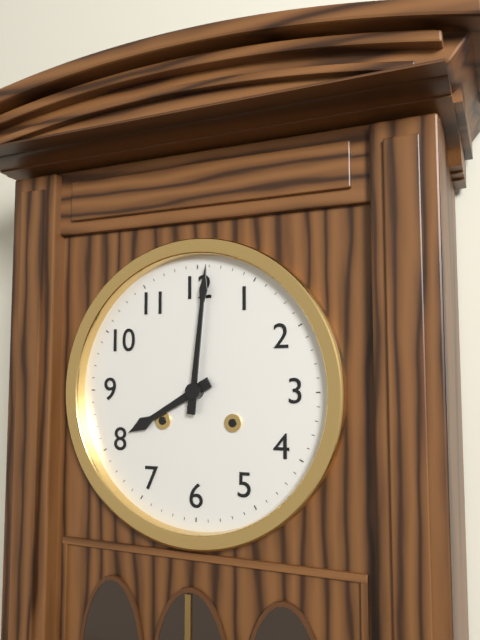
8:01
